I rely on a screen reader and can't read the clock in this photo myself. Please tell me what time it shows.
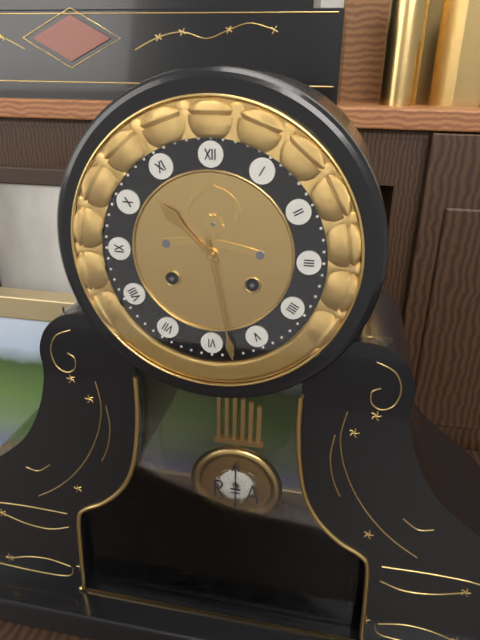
10:28
